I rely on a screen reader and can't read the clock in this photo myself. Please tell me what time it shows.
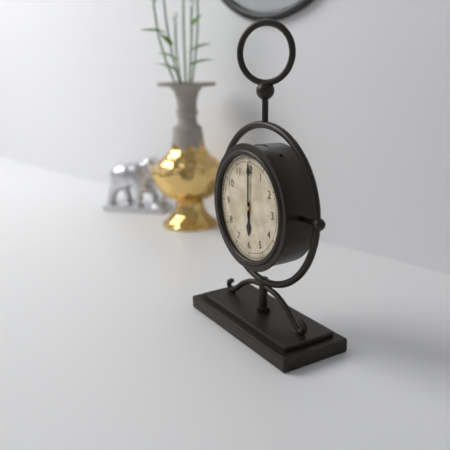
6:00
